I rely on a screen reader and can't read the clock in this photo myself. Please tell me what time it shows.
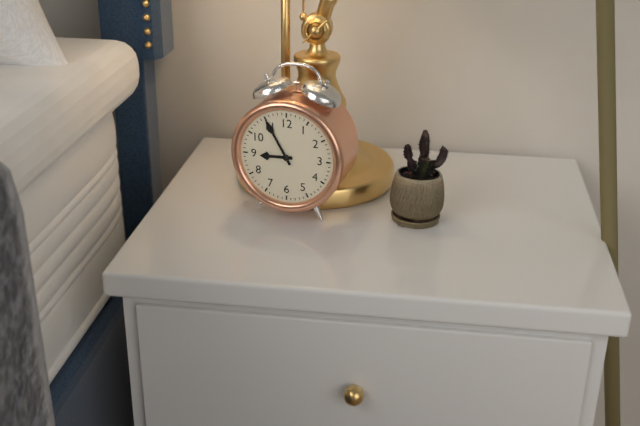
8:55
